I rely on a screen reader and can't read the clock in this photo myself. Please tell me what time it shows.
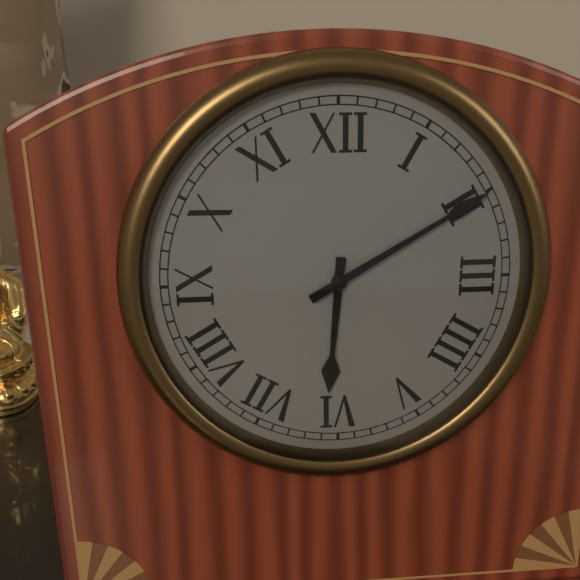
6:10
